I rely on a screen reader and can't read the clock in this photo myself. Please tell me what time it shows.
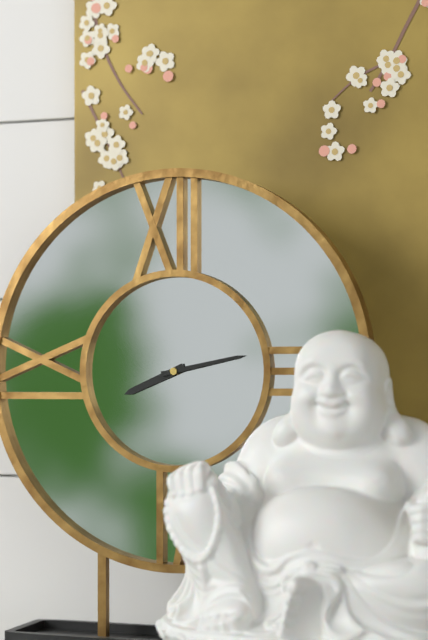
8:13
